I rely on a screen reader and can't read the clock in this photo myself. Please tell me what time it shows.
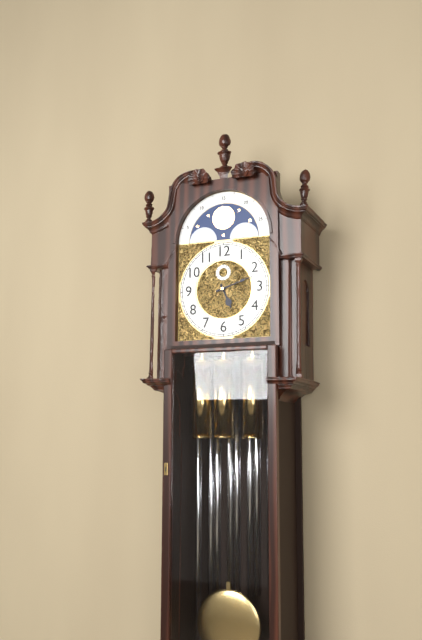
5:12
